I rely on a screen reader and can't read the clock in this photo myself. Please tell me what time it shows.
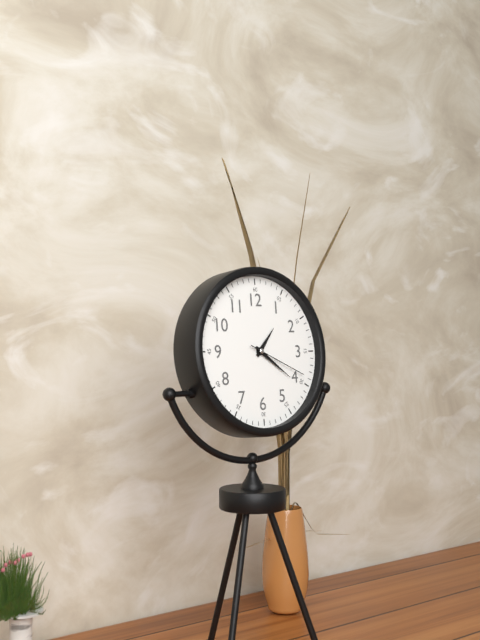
1:21:19
